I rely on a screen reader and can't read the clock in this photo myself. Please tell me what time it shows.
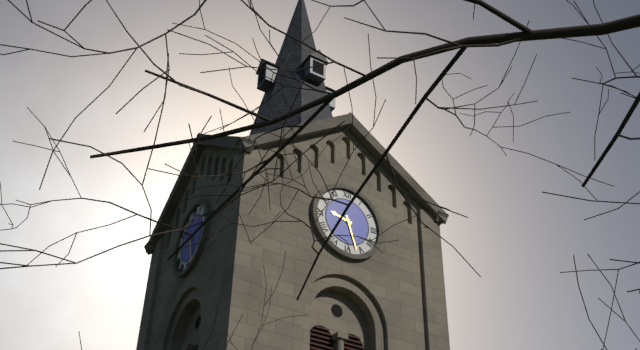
9:27
